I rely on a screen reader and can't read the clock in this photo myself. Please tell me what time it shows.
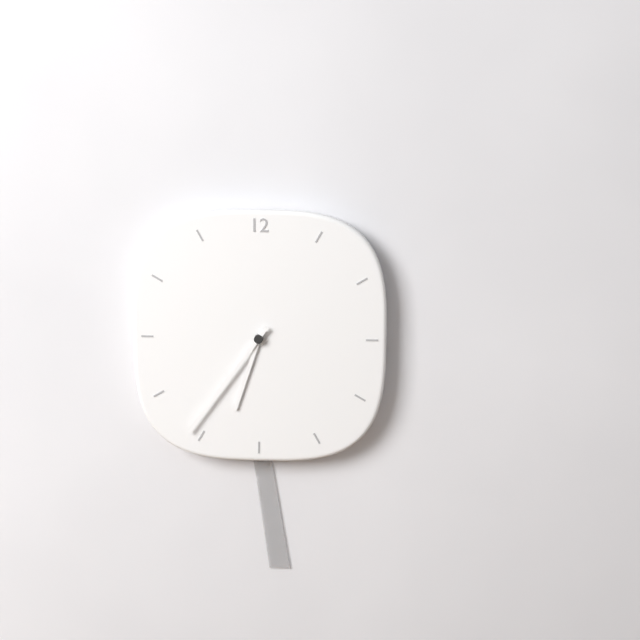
6:36
